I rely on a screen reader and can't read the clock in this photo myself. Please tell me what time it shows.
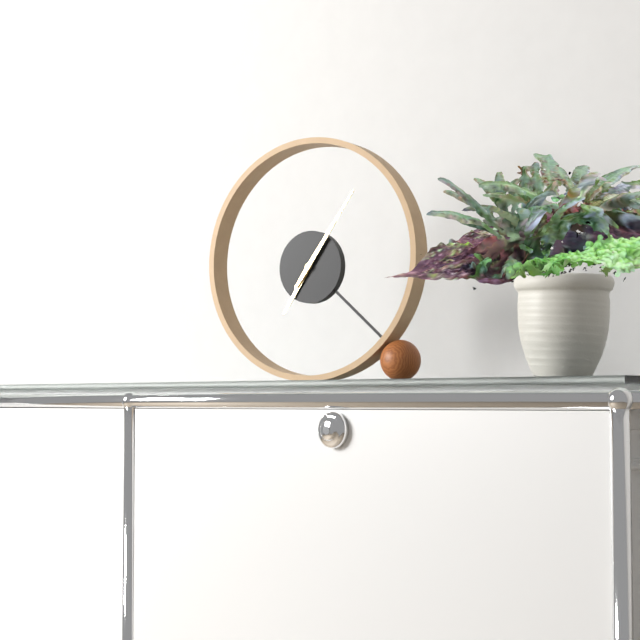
7:06
